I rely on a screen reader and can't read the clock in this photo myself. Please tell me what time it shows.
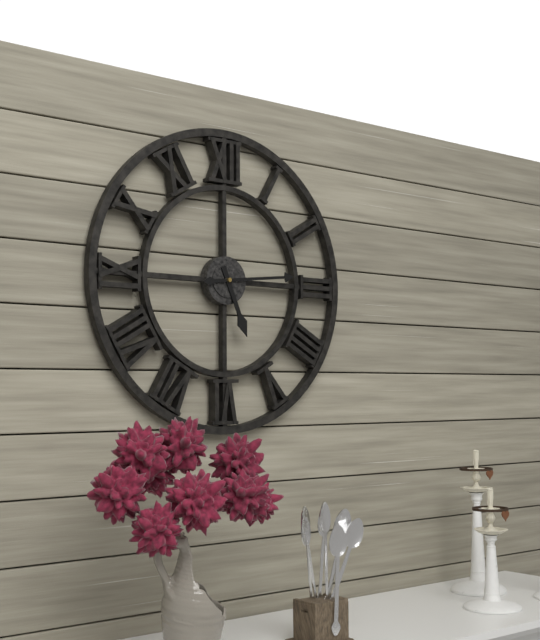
5:14
